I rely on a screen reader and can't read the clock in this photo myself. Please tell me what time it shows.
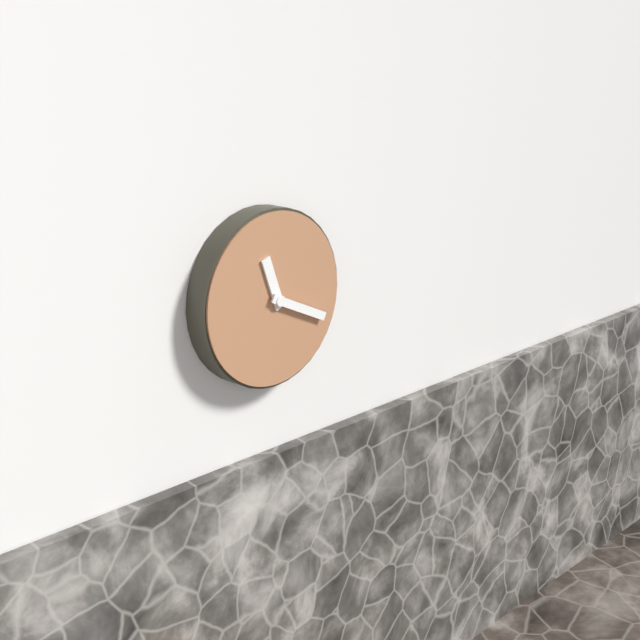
11:19
